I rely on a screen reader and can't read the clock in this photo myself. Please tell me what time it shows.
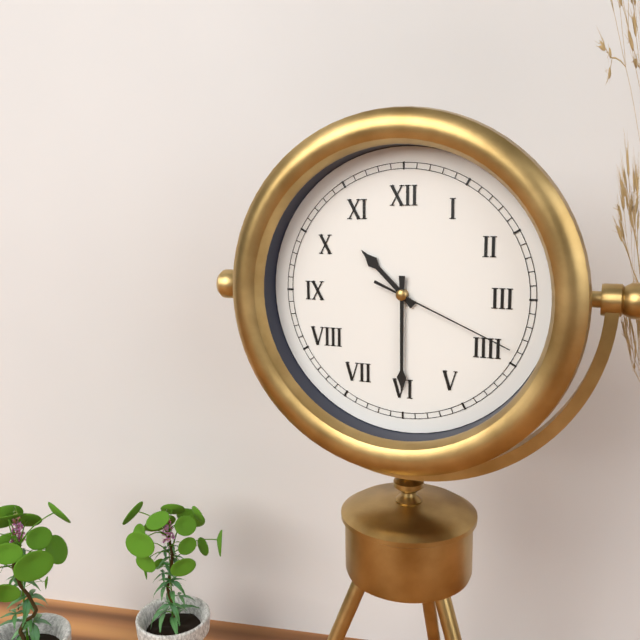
10:30:19
